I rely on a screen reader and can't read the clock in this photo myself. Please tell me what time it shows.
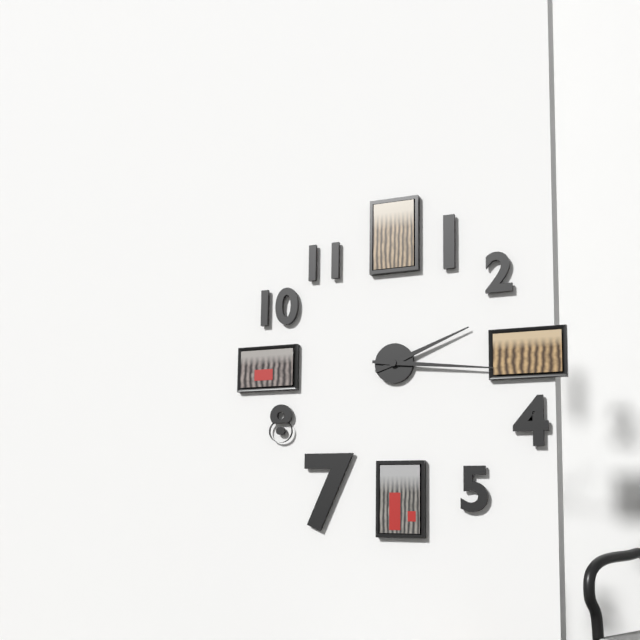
2:16
